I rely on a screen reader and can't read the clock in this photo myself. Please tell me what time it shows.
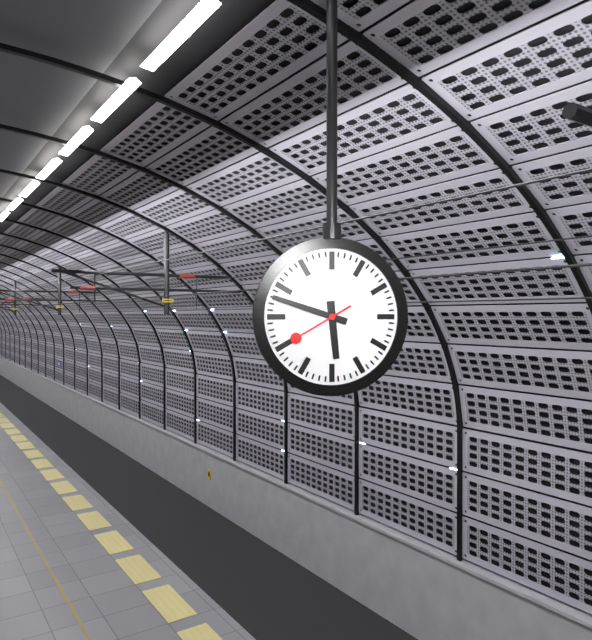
5:48:40
